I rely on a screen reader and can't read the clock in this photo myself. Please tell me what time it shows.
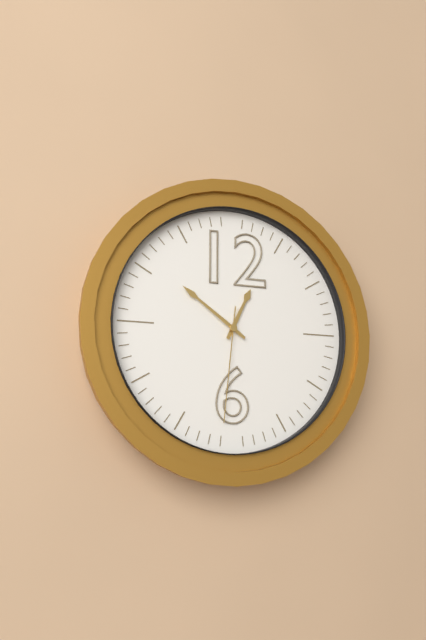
12:51:31
